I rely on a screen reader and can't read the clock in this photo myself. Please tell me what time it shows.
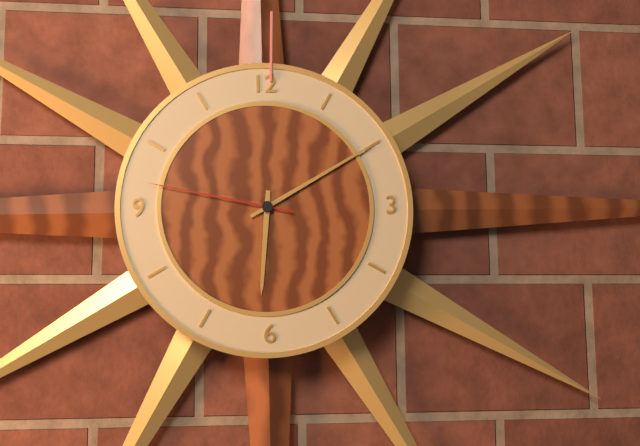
6:10:47
